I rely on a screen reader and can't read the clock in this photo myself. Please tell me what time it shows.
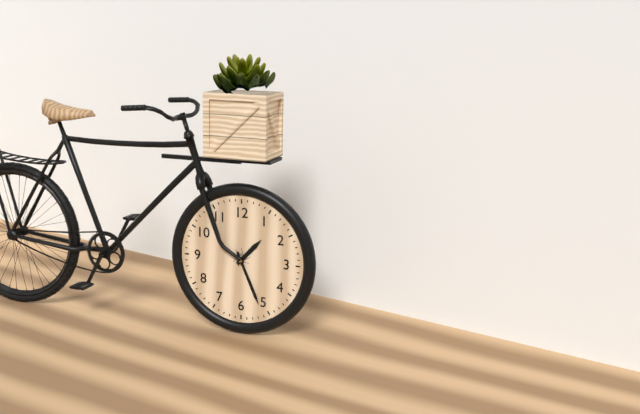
1:26
